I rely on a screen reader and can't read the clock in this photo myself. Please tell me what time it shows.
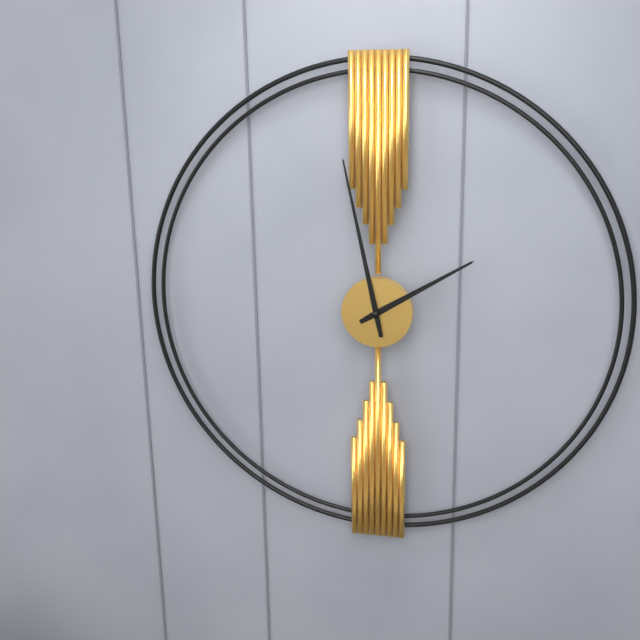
1:58
